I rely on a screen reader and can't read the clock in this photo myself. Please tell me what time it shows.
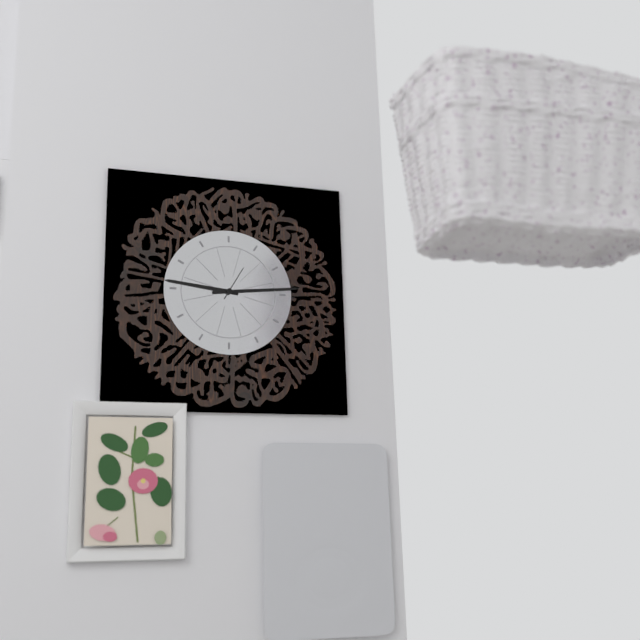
9:14
